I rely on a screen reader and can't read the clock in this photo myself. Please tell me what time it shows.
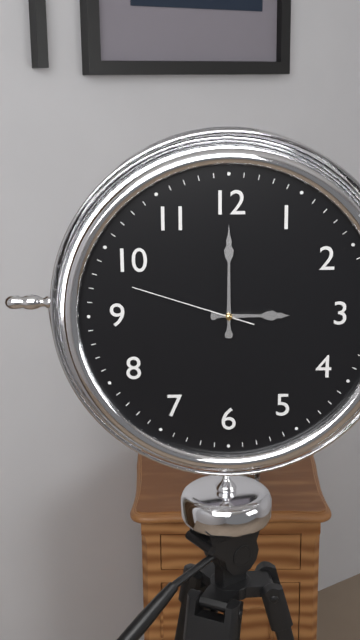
3:00:48
